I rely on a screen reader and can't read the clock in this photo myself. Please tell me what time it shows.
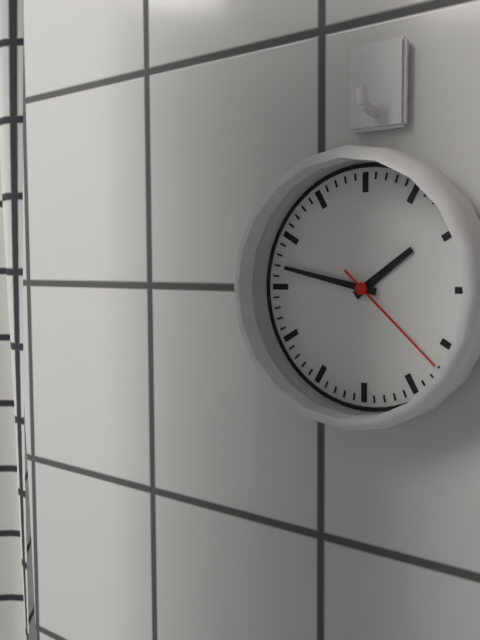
1:47:22
